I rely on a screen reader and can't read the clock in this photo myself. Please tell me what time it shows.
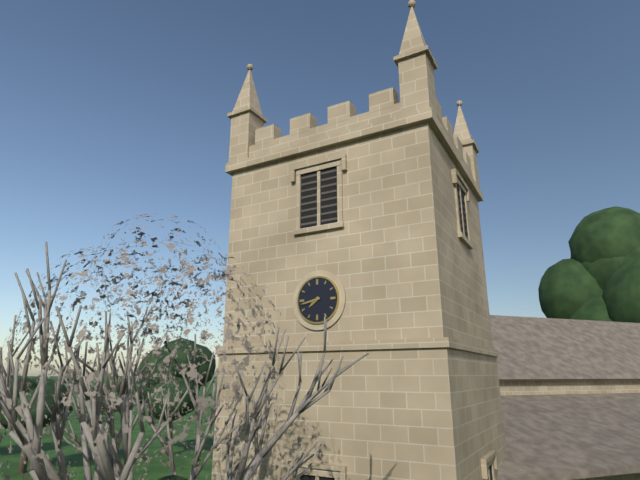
7:43
